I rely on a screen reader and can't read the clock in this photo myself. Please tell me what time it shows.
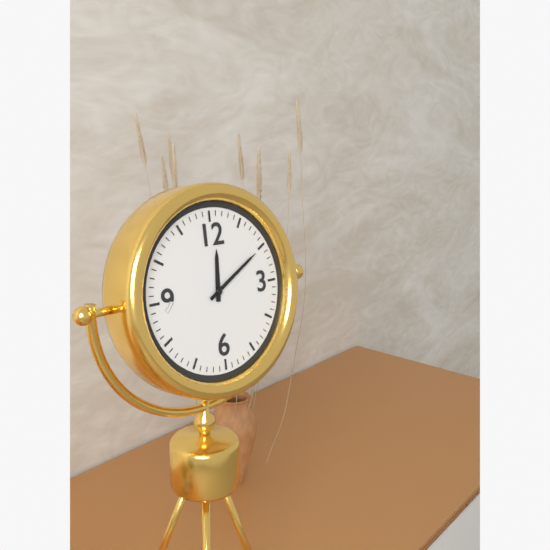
12:10
